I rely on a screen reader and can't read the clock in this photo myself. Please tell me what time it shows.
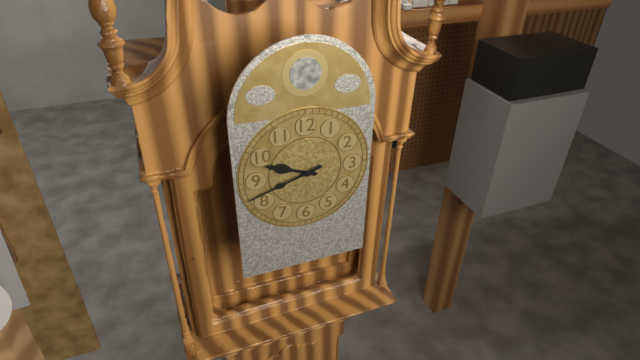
9:42
